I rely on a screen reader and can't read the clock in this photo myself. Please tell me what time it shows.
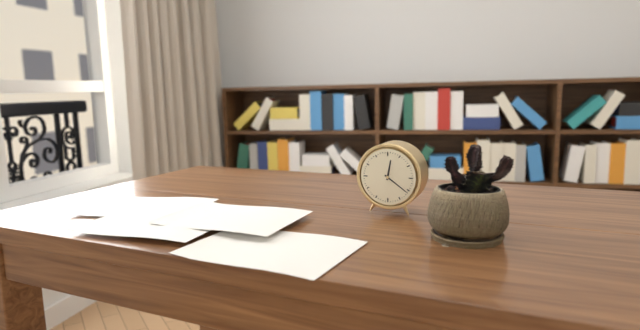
12:21
